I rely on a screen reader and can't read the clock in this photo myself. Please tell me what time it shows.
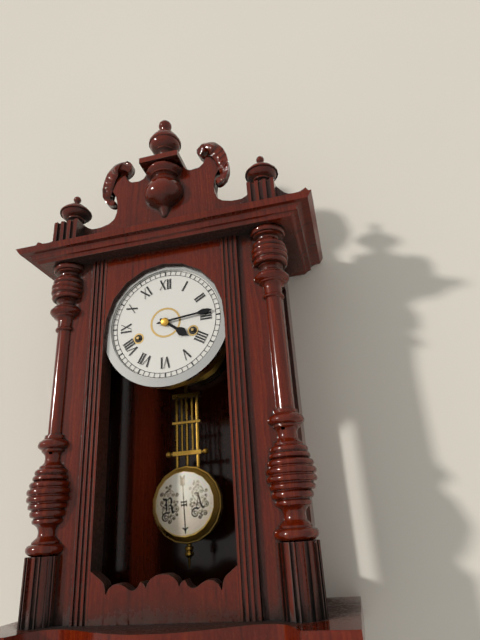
4:14
